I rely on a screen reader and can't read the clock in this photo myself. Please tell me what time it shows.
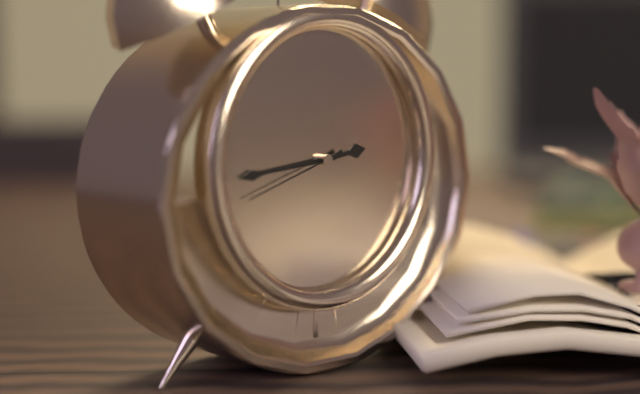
2:44:42
